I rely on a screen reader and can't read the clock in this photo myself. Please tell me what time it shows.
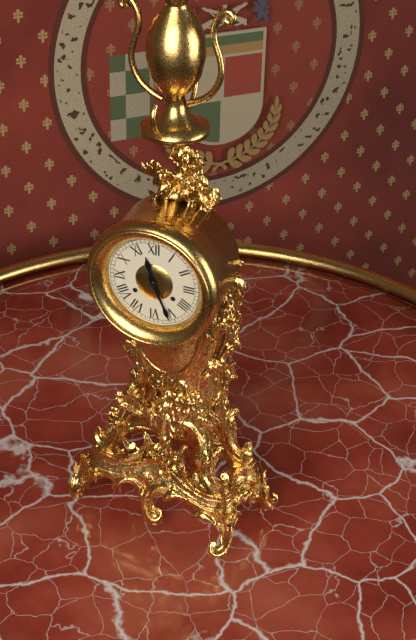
11:26
